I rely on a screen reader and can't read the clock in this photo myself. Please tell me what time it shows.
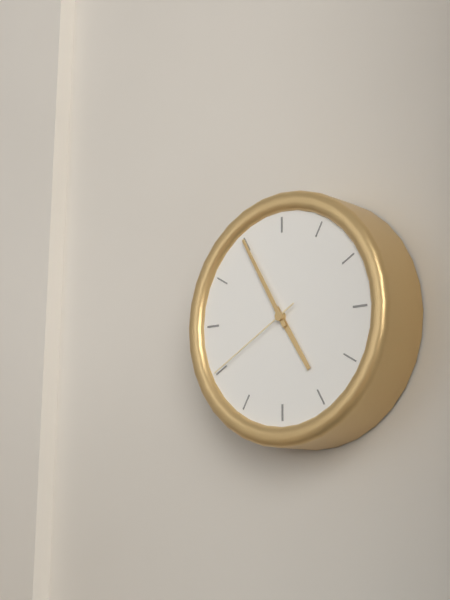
4:55:40
